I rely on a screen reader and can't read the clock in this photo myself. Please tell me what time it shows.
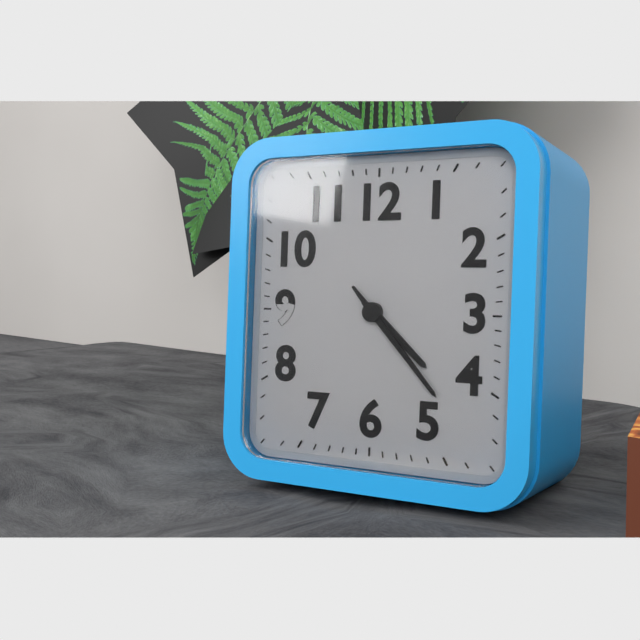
4:23
